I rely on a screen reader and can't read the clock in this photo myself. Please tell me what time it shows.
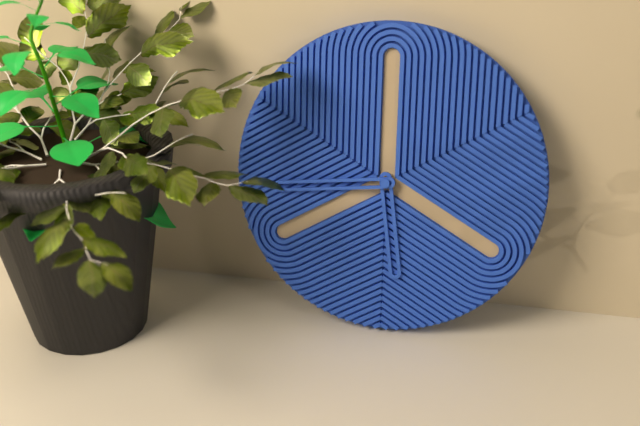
5:44
